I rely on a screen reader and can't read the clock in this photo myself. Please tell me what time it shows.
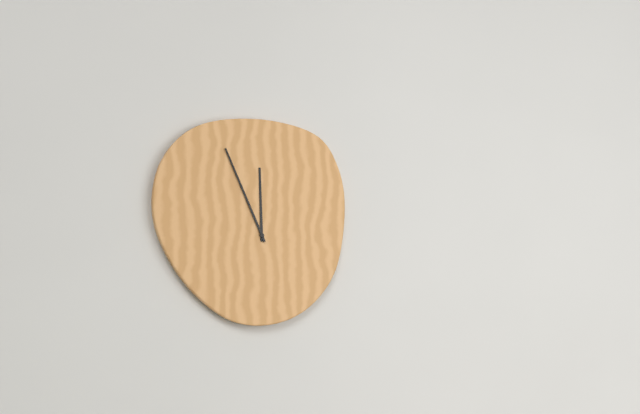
11:56
